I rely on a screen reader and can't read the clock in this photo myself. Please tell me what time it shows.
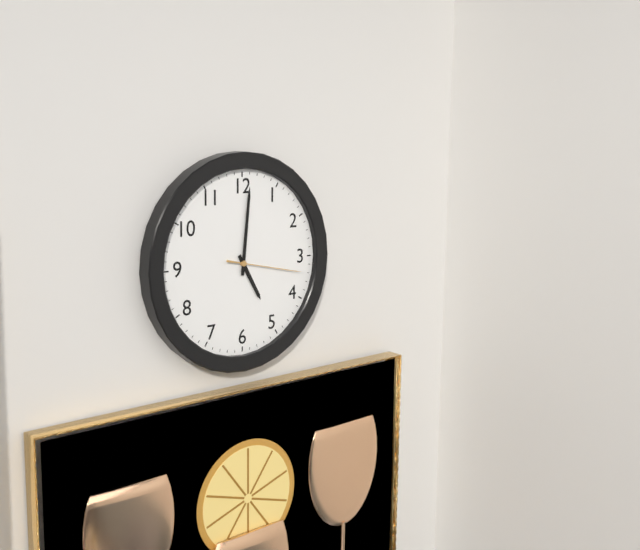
5:01:17
